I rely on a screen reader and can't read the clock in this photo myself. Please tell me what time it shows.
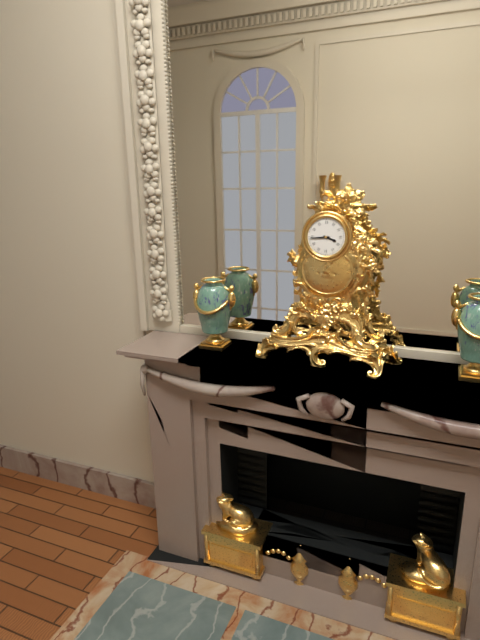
3:44
